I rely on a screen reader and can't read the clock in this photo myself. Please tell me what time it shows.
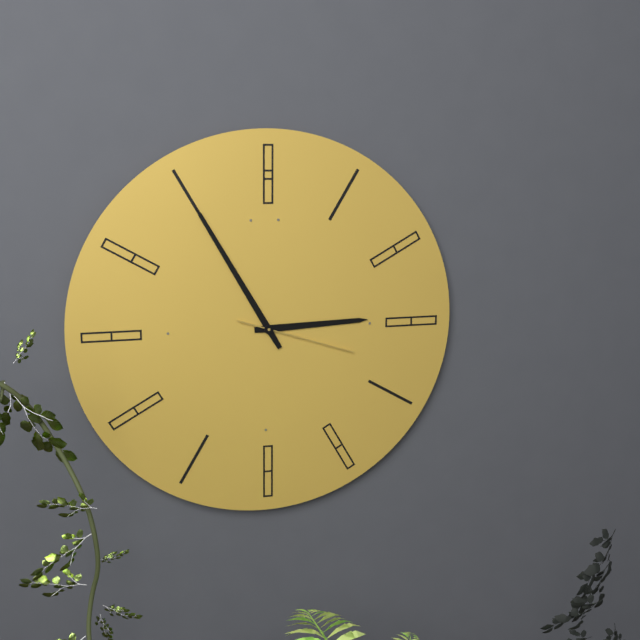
2:55:18
